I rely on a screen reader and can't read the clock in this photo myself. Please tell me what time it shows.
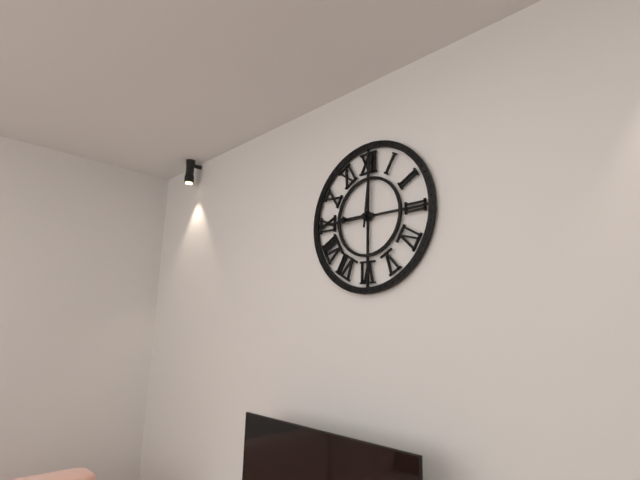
9:01
